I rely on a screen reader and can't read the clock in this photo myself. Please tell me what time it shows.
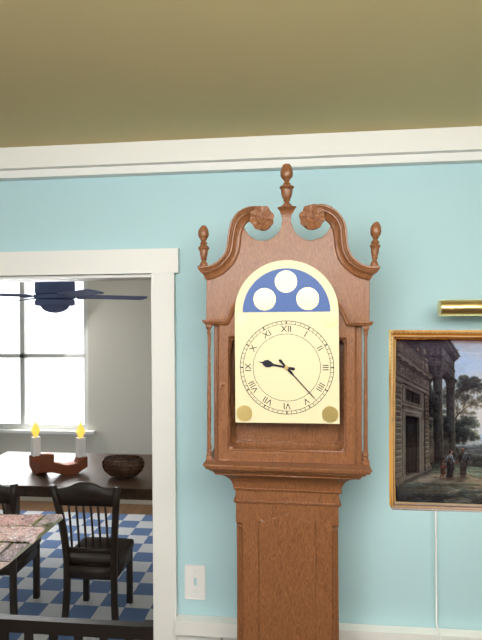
9:23
